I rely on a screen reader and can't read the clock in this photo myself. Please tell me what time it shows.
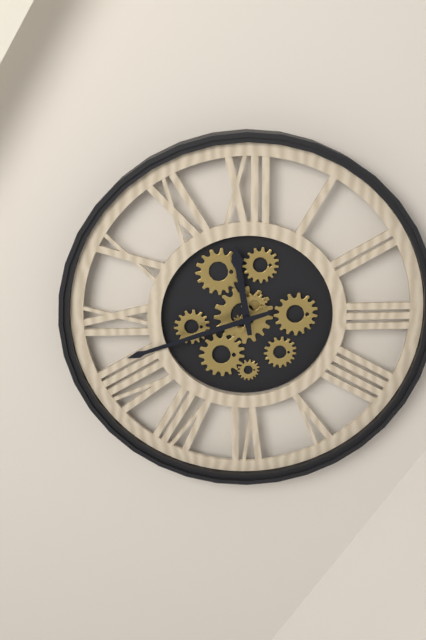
11:42
